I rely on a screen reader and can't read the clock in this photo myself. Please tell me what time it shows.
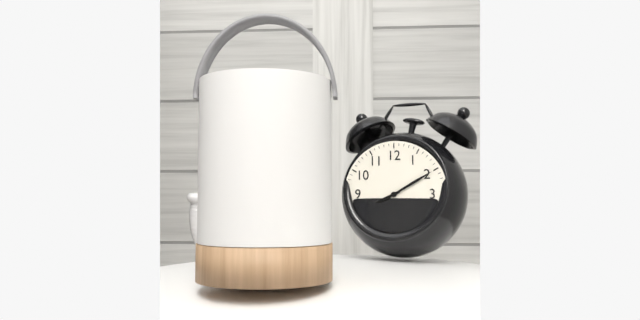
8:10
